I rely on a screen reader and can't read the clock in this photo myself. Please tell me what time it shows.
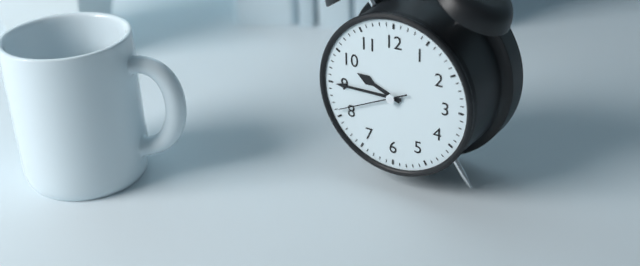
9:45:41
